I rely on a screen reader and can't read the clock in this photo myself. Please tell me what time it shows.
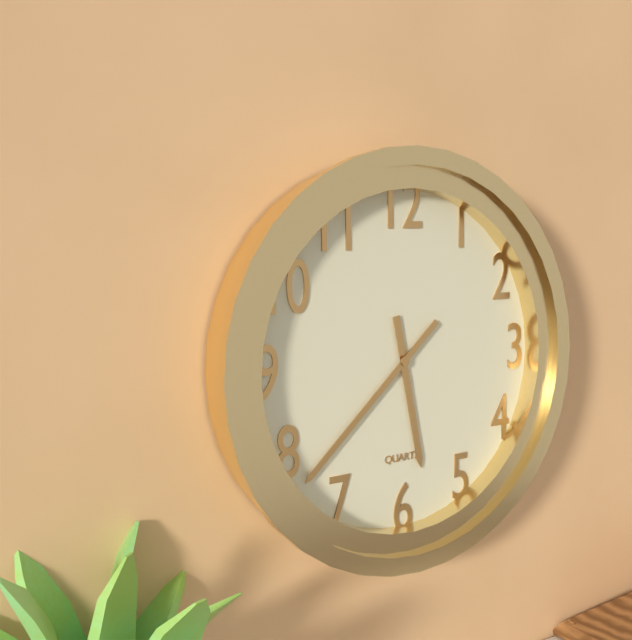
5:38
